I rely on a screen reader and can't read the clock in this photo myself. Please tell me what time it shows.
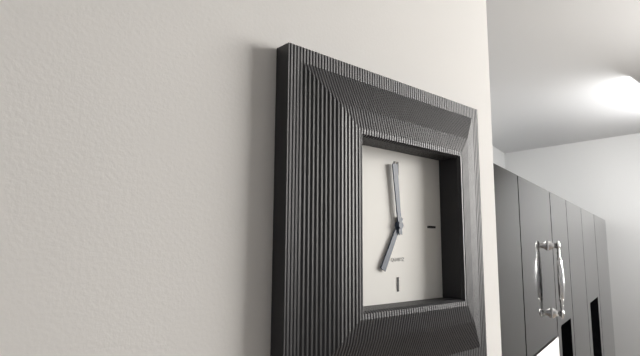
6:59
